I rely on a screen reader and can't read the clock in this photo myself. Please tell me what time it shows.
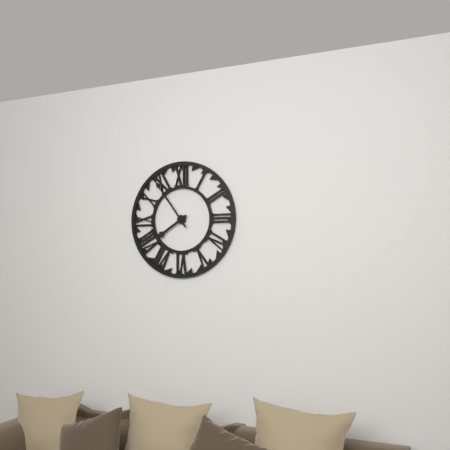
7:54
